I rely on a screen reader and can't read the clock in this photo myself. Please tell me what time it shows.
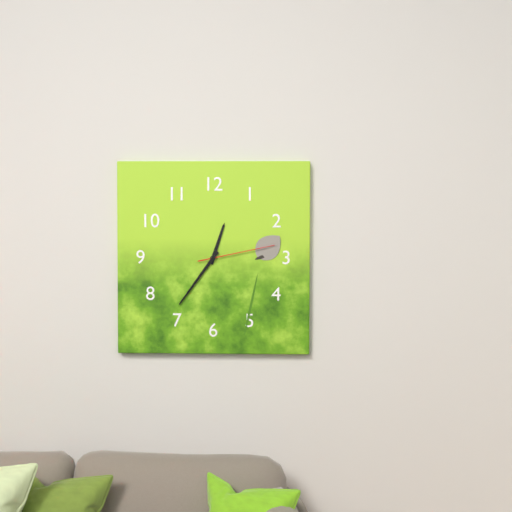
12:36:13
